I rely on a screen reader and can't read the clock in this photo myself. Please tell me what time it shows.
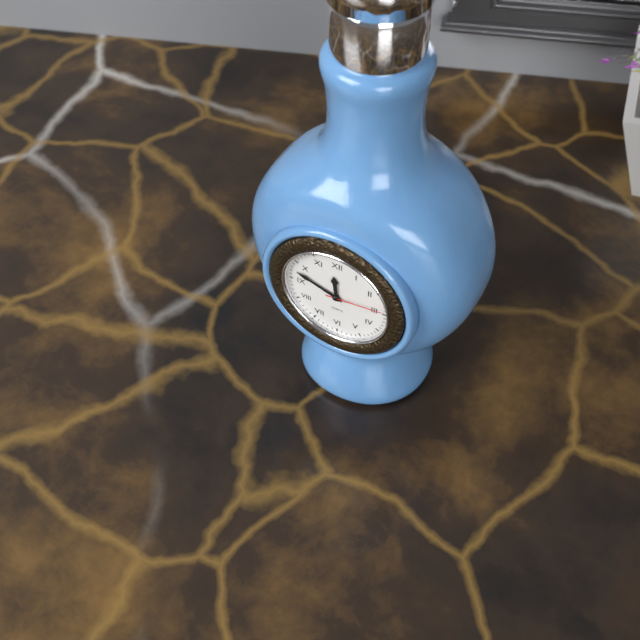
11:48:14
